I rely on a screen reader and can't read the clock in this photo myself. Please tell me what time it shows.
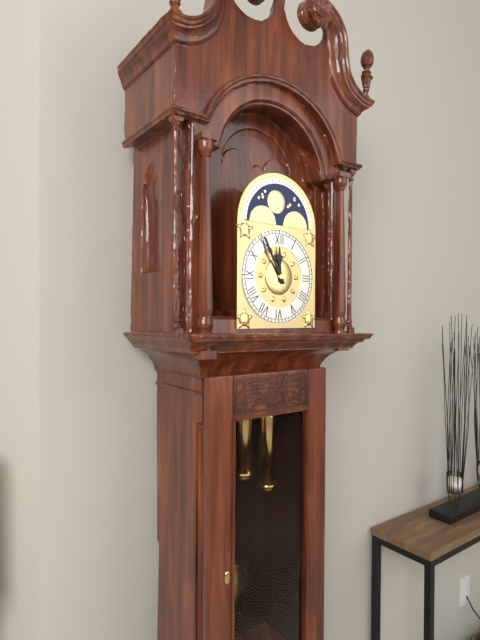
11:55
